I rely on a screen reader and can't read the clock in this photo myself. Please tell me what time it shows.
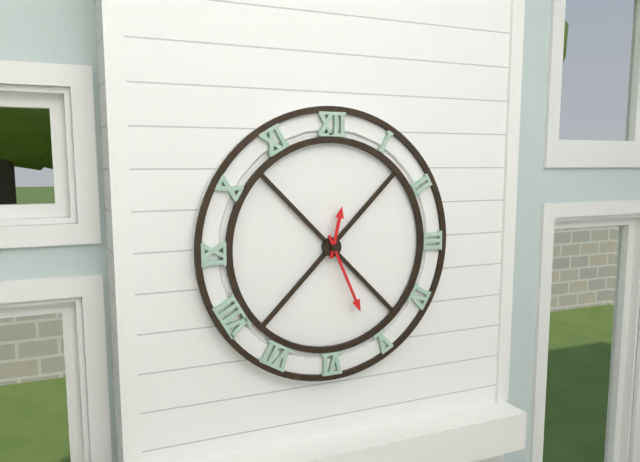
12:26
